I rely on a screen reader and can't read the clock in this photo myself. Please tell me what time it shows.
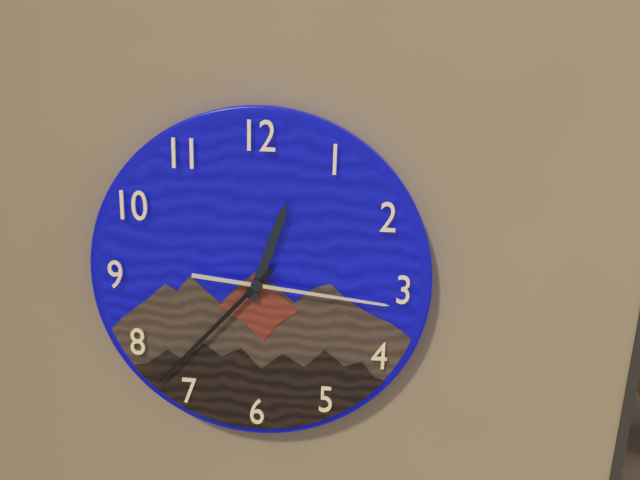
12:37:16
